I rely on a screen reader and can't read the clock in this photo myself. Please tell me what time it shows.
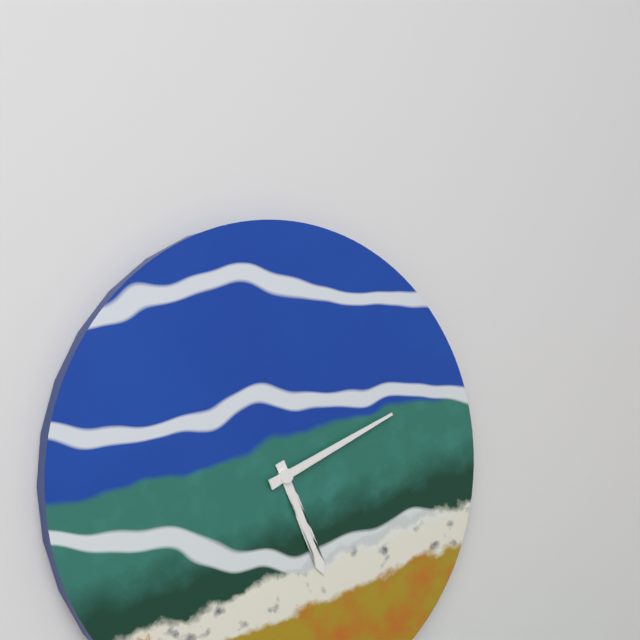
5:11
